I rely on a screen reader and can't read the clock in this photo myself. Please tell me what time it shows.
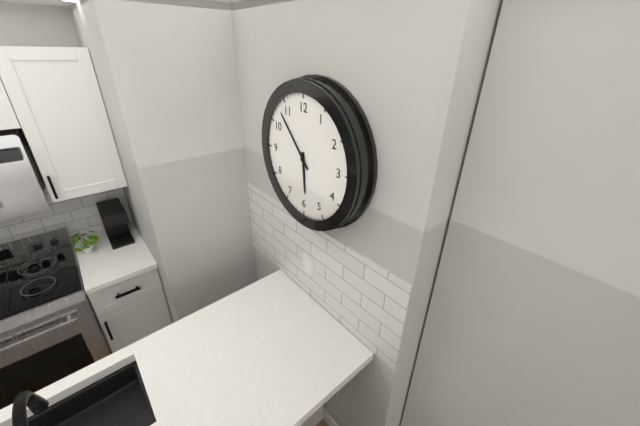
5:53
